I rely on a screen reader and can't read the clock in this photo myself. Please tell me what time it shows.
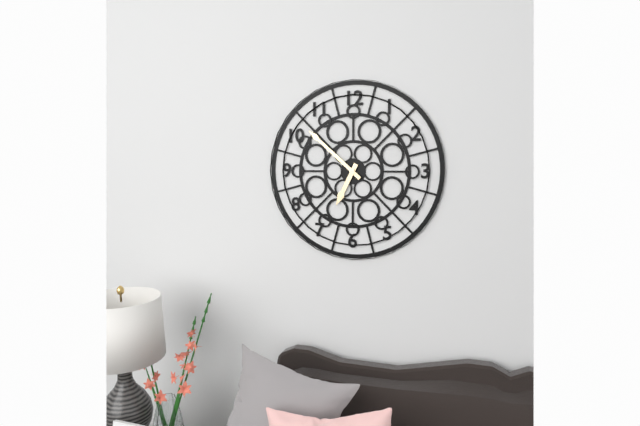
6:52
